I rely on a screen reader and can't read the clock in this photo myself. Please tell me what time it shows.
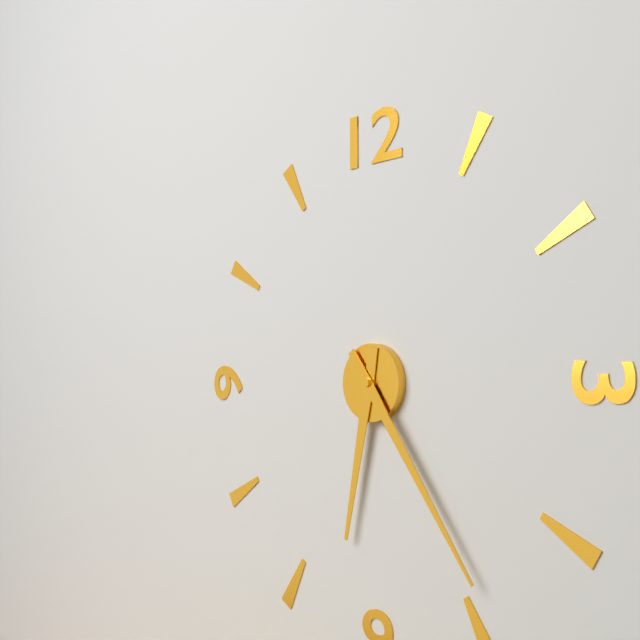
6:24
